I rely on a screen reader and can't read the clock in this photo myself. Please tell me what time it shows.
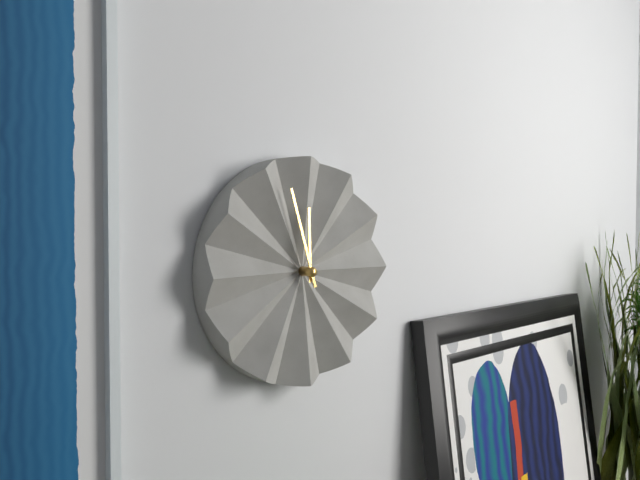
11:57
